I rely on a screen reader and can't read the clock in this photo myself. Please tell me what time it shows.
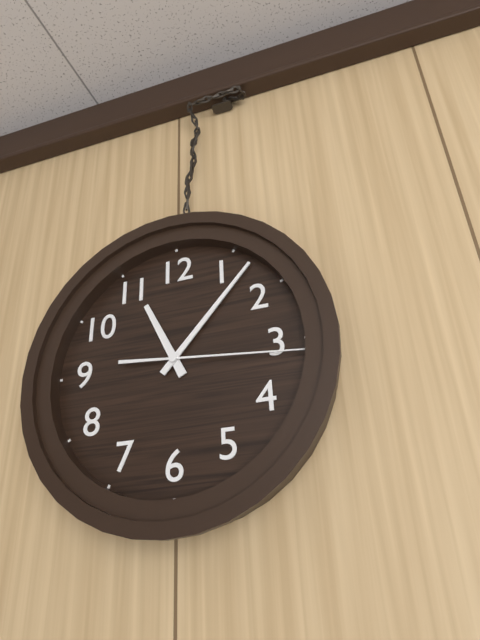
11:07:16
